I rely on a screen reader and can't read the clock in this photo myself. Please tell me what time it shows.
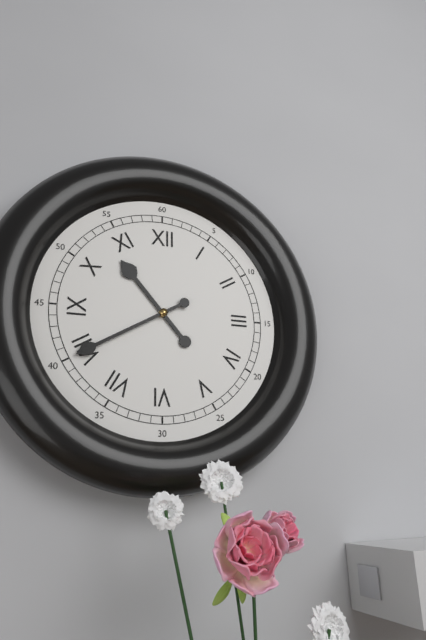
10:40
